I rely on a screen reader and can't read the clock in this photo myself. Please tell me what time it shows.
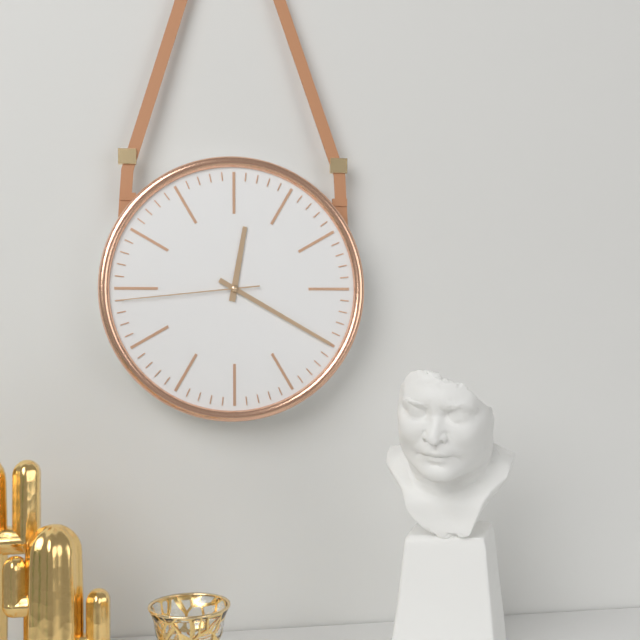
12:20:44
